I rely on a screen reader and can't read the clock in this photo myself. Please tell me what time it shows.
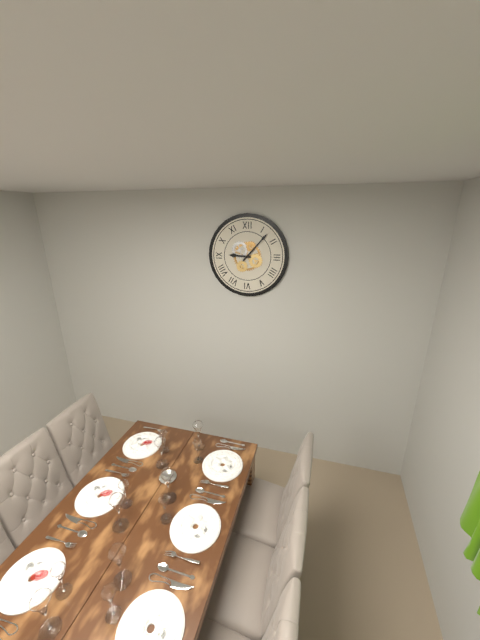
9:07
